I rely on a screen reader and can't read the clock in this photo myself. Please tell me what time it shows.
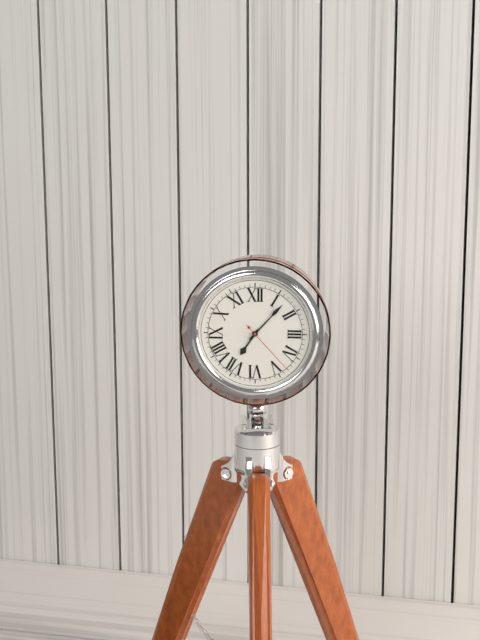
7:07:23
